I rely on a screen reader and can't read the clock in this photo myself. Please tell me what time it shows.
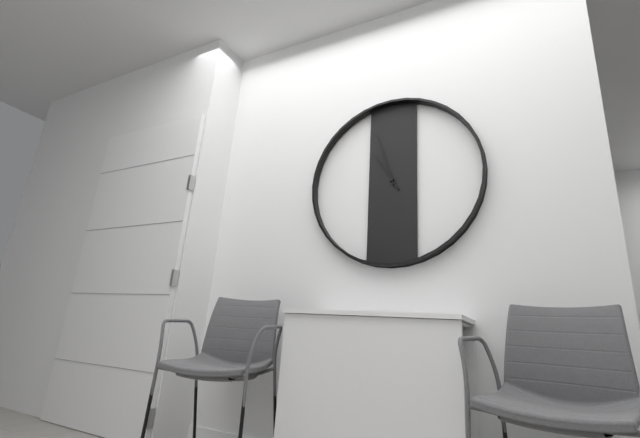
10:57
